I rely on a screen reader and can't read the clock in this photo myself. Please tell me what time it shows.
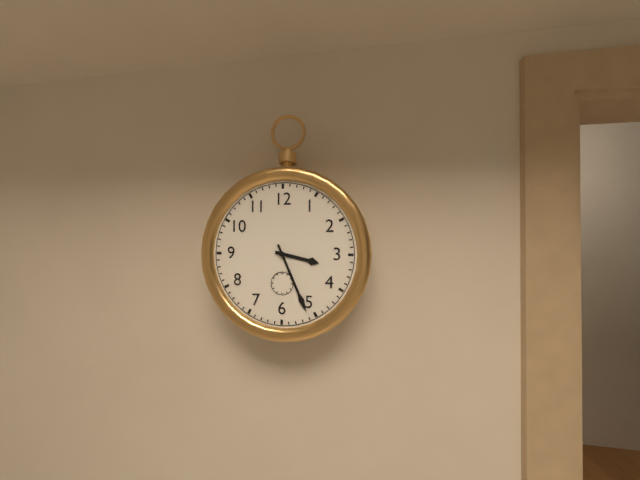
3:26
